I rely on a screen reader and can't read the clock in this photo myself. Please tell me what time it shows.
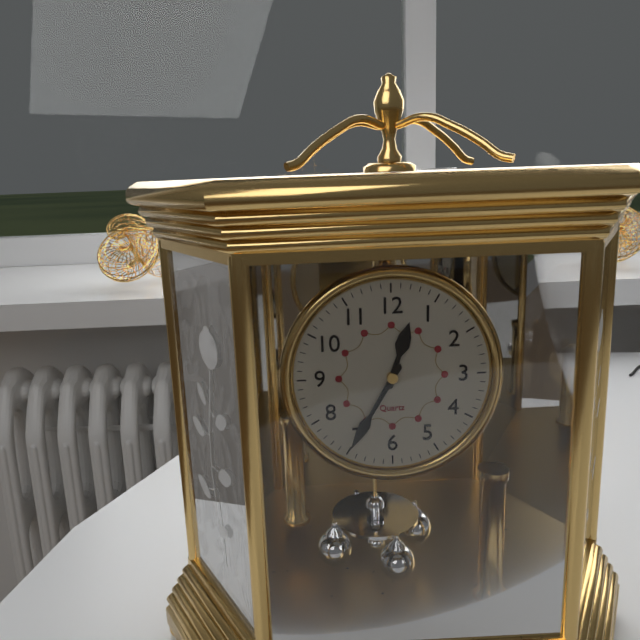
12:35
